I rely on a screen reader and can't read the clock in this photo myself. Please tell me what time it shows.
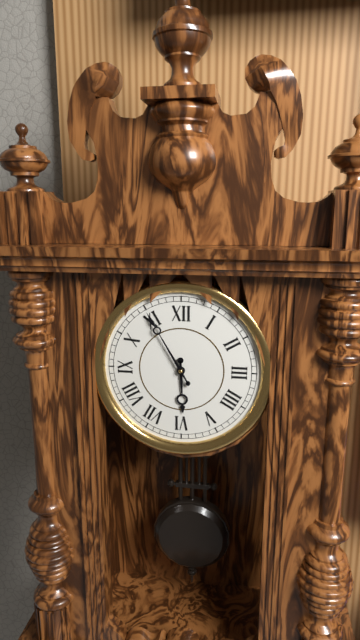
5:55
